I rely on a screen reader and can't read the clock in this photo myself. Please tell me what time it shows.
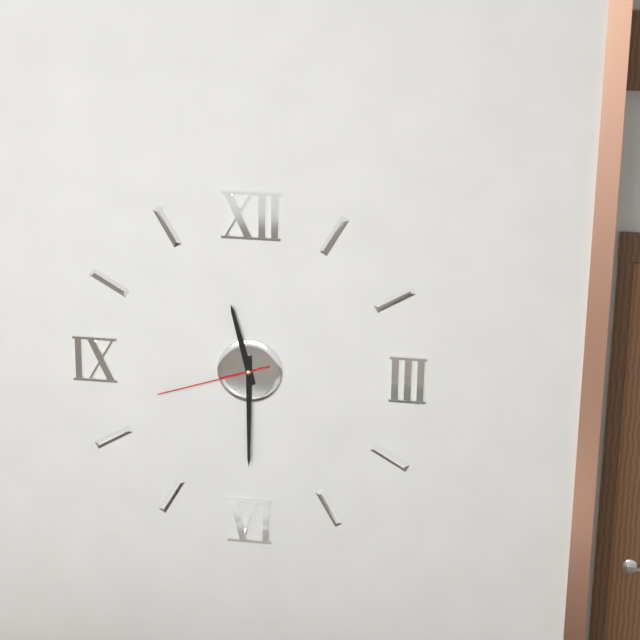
11:30:42
